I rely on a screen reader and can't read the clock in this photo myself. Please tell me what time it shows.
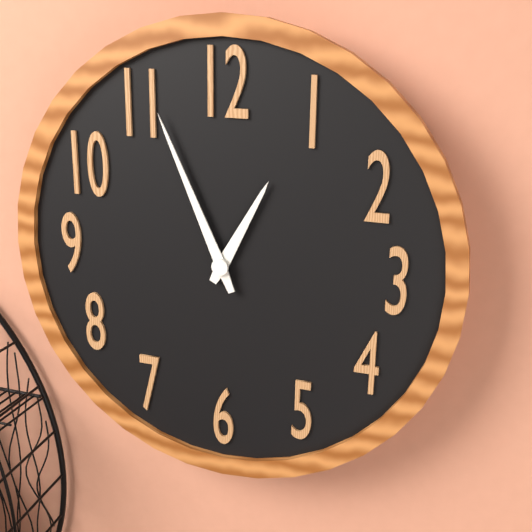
12:56
